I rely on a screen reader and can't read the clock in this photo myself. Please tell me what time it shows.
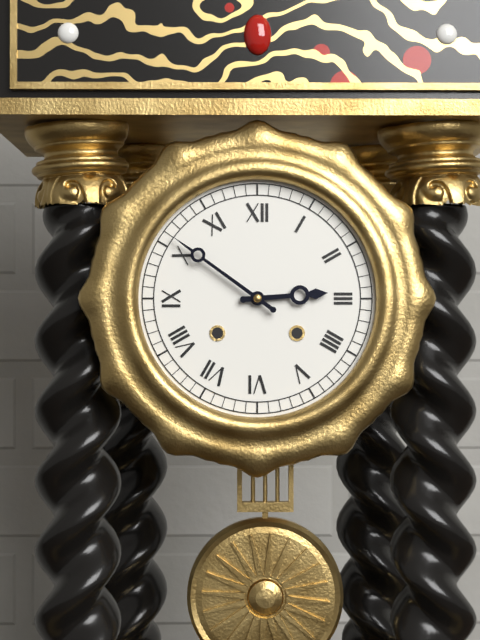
2:51
